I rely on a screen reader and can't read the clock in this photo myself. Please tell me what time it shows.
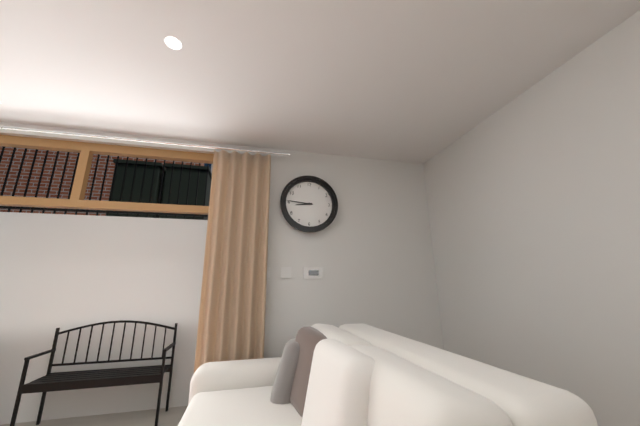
8:46
